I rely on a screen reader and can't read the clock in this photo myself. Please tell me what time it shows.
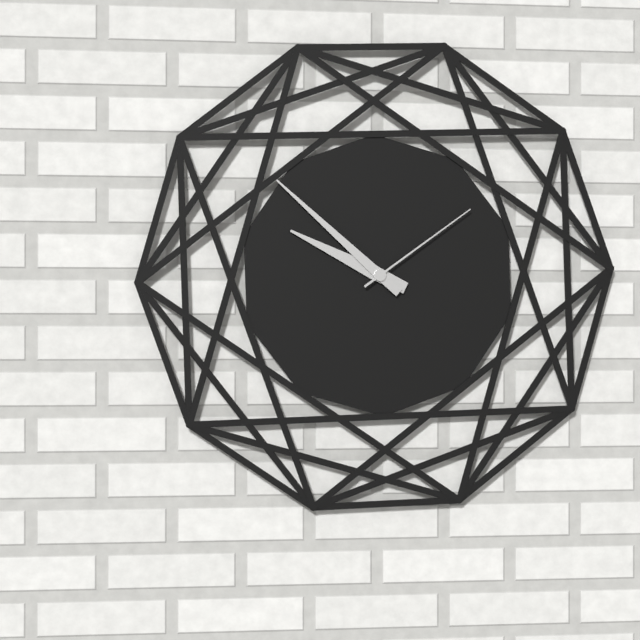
9:52:09
